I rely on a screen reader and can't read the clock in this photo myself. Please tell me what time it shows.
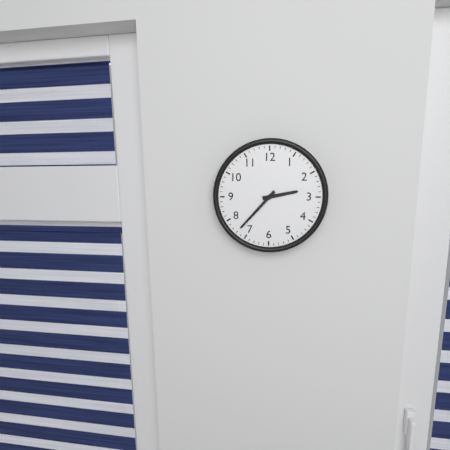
2:37
